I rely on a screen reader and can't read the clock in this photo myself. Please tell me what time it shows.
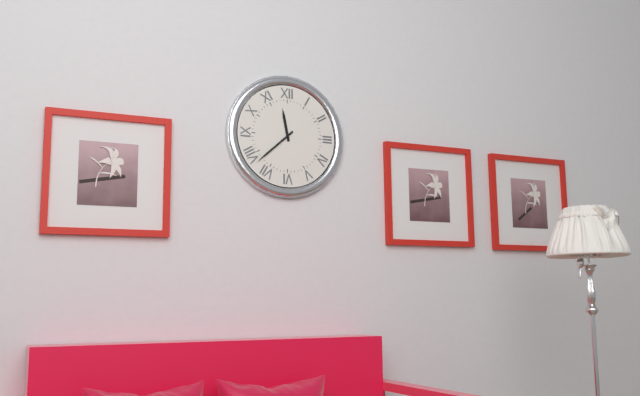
11:38
